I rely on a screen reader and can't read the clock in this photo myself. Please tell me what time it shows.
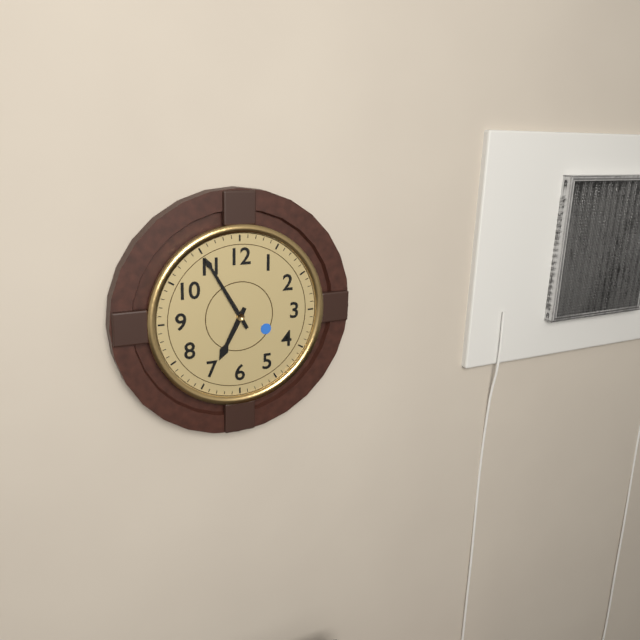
6:55
